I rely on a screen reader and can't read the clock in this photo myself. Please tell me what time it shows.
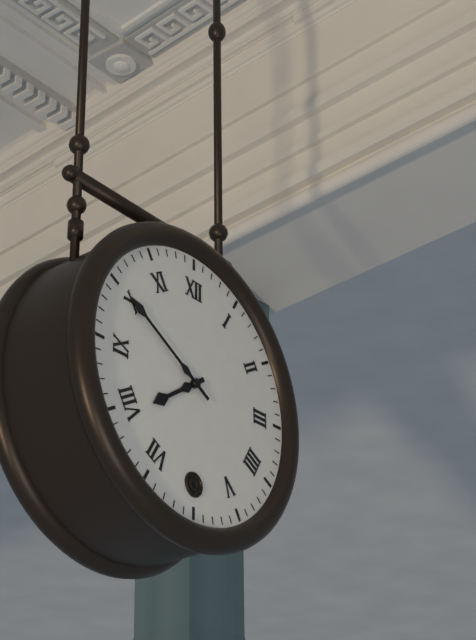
7:50
